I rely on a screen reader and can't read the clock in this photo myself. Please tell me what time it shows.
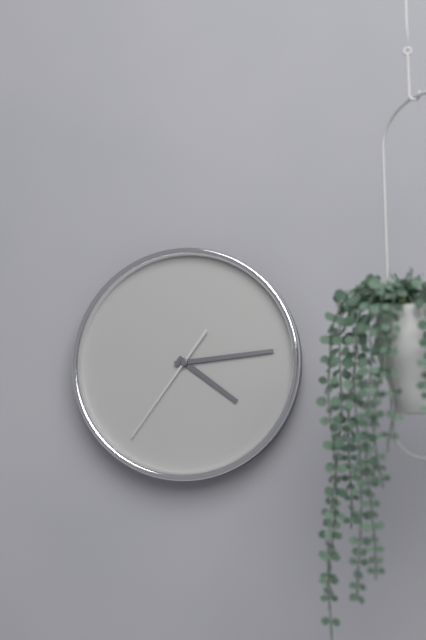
4:14:36
